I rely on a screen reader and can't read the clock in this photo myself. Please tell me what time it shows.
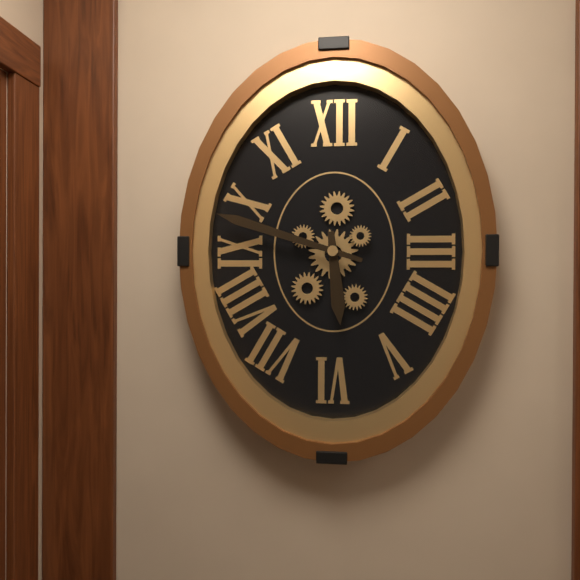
5:48
